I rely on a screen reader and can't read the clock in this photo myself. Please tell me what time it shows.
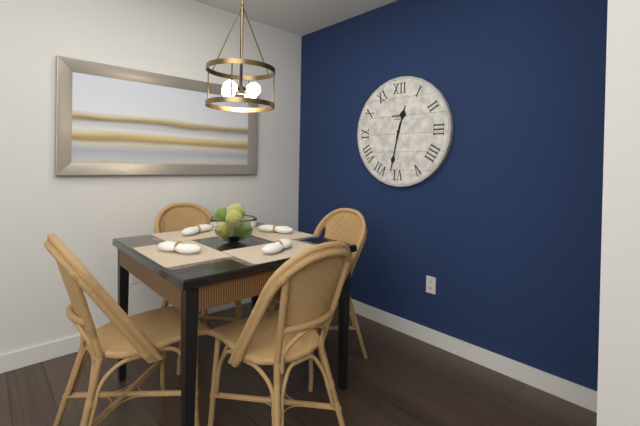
12:32
